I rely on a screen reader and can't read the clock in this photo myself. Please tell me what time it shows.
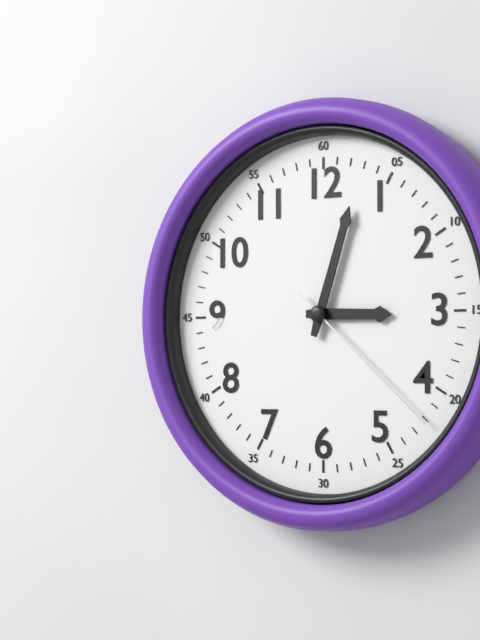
3:03:22
